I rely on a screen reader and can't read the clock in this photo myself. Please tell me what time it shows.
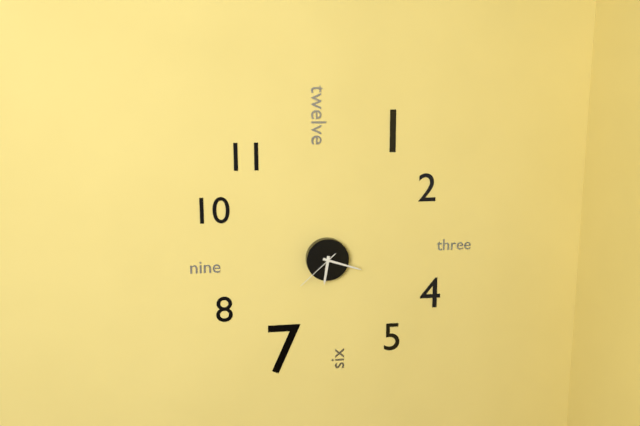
6:18
